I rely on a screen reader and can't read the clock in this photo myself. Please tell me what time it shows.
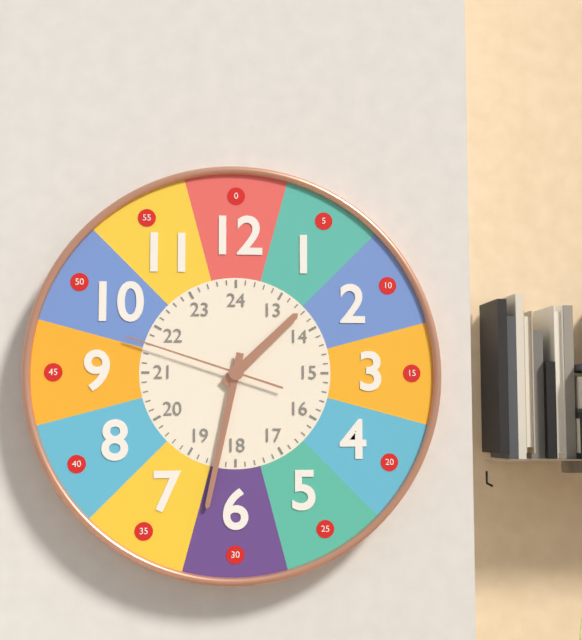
1:32:48
